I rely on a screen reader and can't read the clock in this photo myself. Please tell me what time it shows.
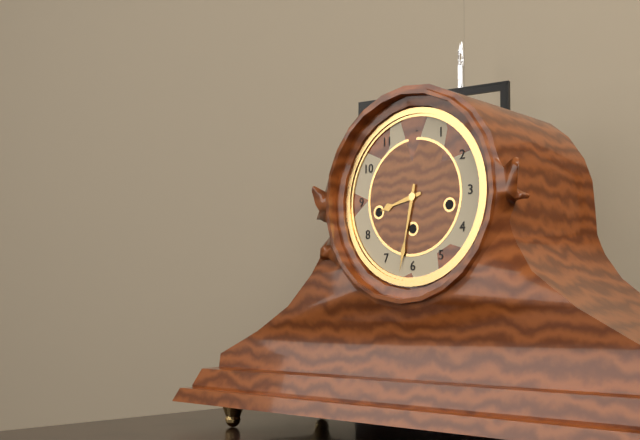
8:32
